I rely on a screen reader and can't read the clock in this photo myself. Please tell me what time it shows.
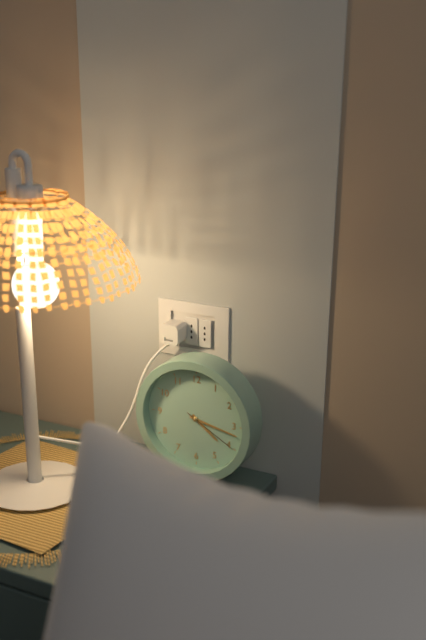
4:17:20
